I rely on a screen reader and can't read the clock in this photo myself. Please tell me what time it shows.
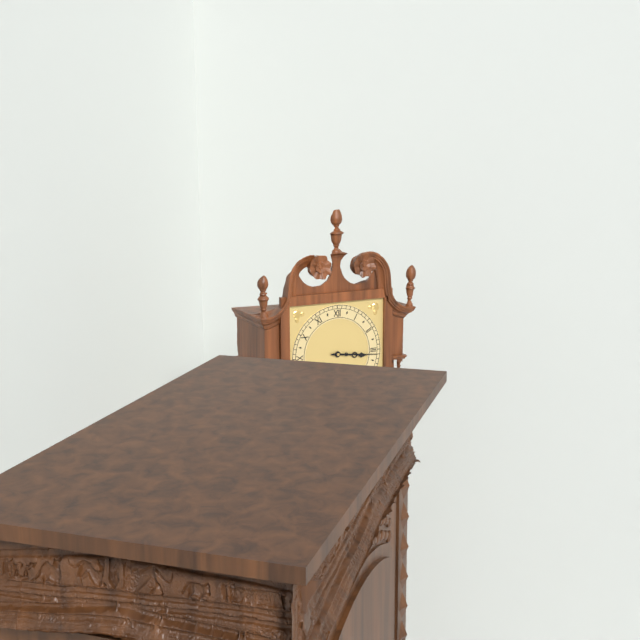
3:16
